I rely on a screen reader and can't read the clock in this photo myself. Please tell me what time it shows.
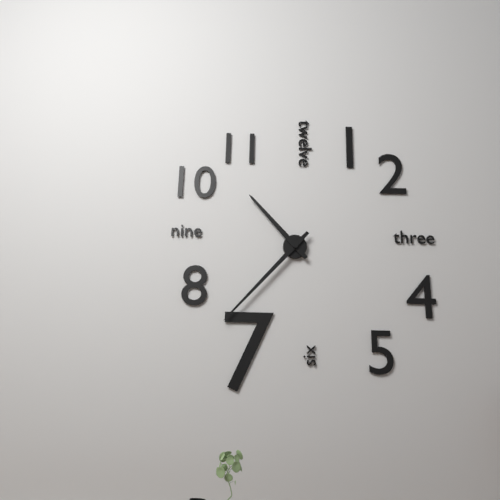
10:37
